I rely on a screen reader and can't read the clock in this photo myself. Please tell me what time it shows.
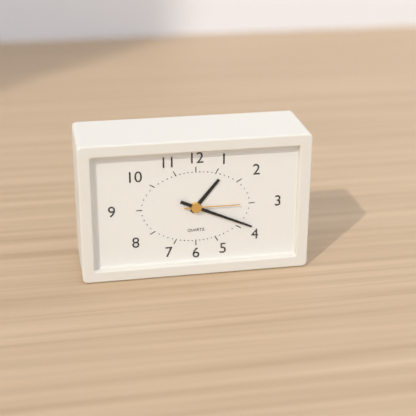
1:19:15
